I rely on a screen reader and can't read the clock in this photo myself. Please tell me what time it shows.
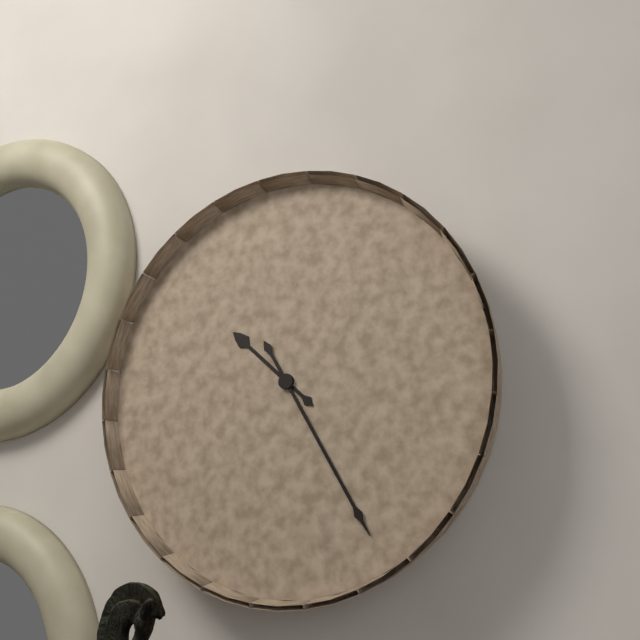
10:25
